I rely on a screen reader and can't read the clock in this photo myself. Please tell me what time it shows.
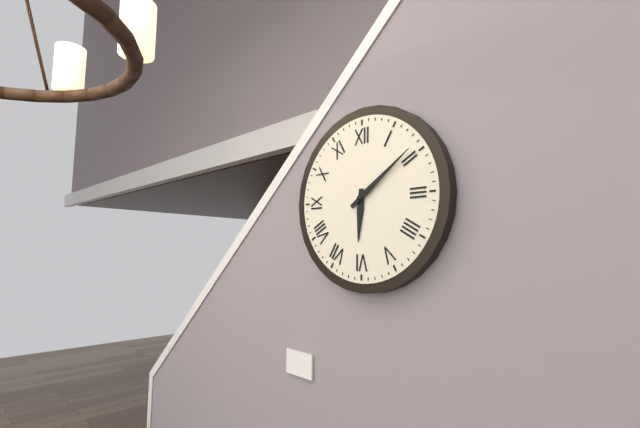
6:09
